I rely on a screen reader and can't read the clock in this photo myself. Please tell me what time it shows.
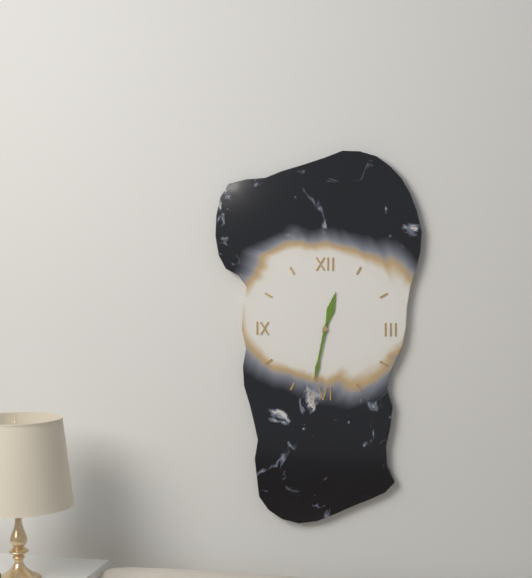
12:32
